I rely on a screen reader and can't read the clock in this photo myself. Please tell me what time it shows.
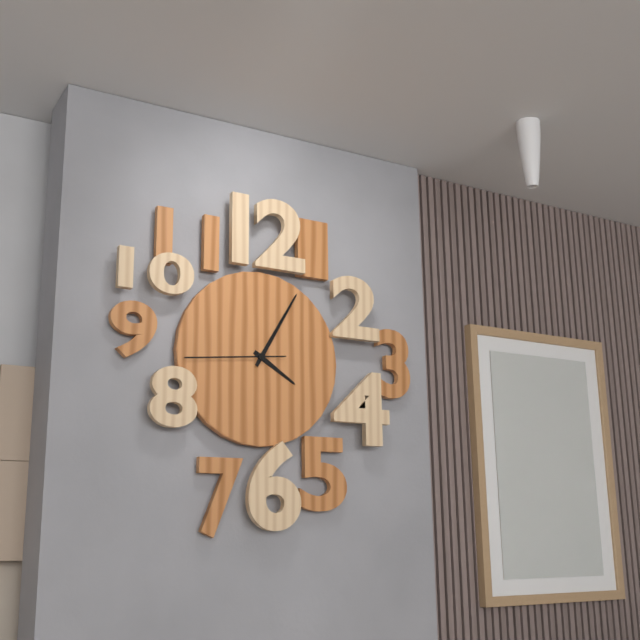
4:05:44
